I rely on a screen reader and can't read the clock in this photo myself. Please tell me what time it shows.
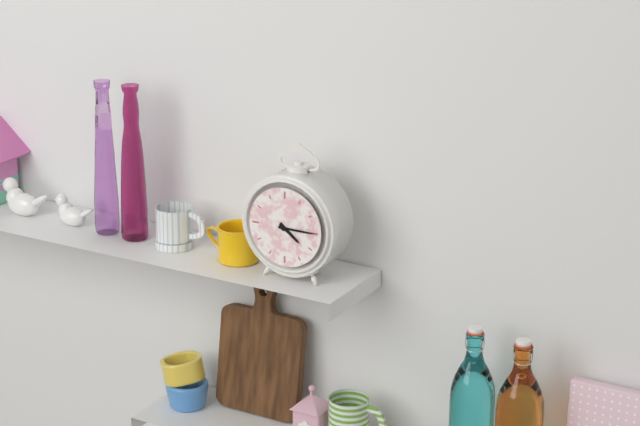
4:15
